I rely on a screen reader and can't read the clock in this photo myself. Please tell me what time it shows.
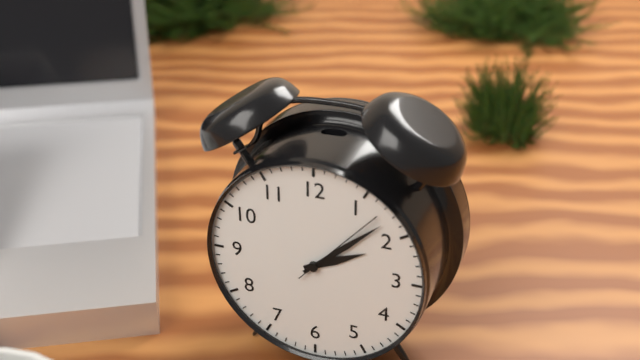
2:08:07
